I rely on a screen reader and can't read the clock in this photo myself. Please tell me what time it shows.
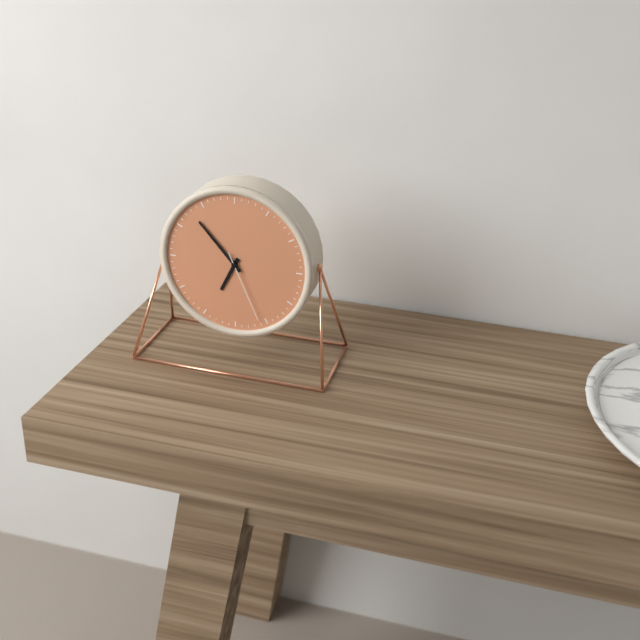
6:53:26
